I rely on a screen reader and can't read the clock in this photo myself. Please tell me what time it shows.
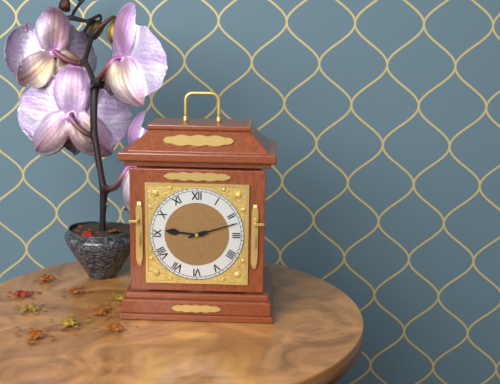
9:12
